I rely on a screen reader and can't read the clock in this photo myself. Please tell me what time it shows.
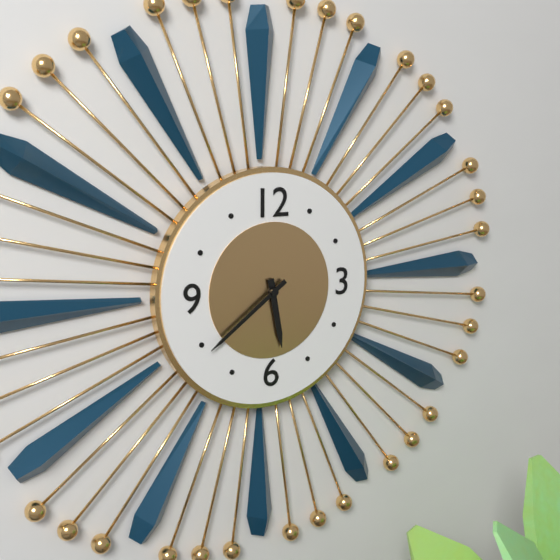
5:39
